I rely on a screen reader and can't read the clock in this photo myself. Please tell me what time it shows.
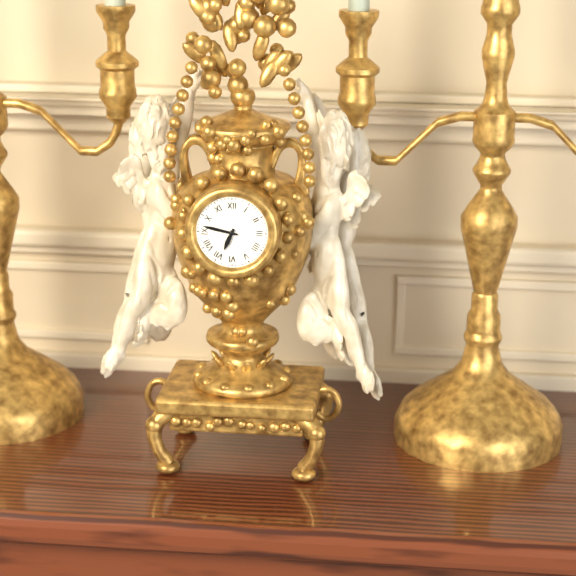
6:47
